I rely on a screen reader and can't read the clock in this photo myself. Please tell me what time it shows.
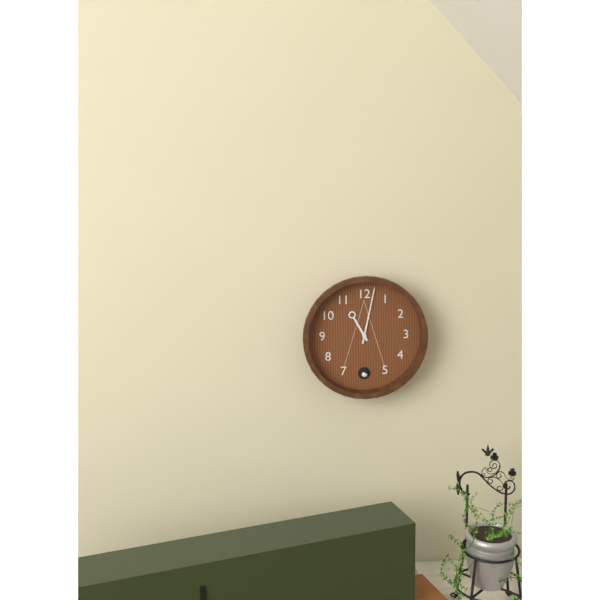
11:02
